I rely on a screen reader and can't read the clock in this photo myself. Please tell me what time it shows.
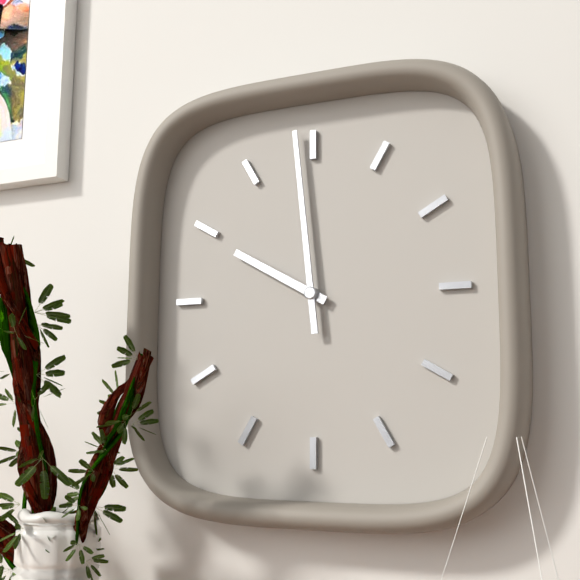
9:59
